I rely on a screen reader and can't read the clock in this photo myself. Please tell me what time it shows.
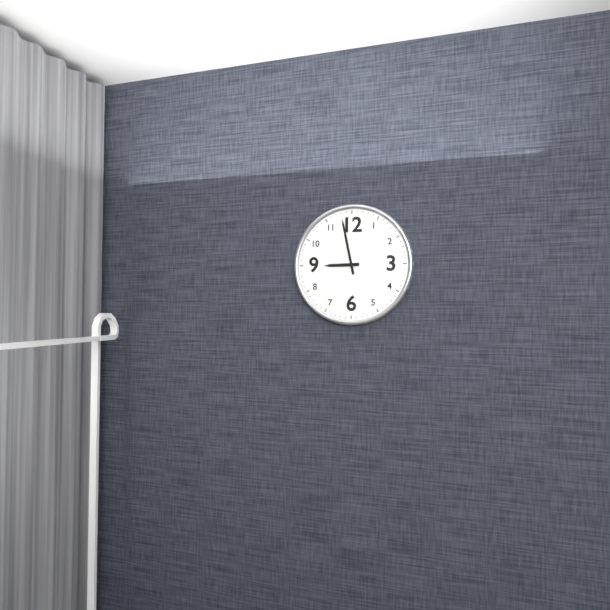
8:58
